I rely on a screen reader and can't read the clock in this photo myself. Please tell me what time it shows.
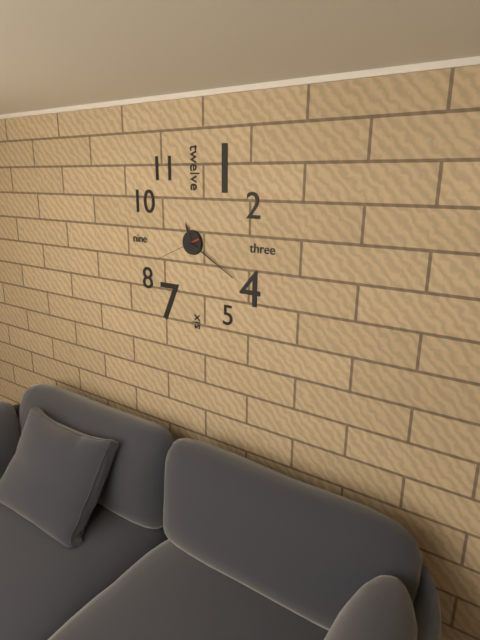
11:20
